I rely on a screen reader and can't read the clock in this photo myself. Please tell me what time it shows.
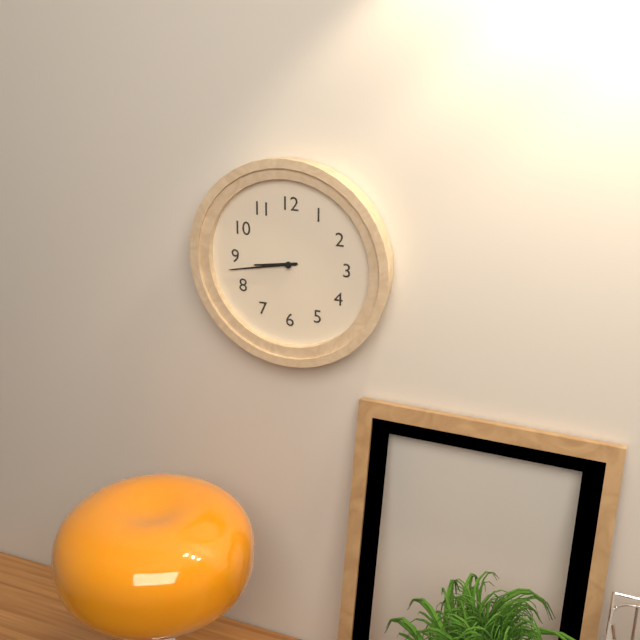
8:43
